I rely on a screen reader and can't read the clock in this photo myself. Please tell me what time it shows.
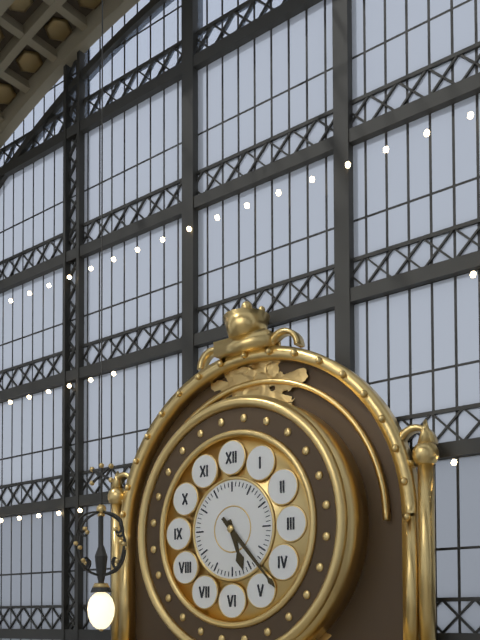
5:23
